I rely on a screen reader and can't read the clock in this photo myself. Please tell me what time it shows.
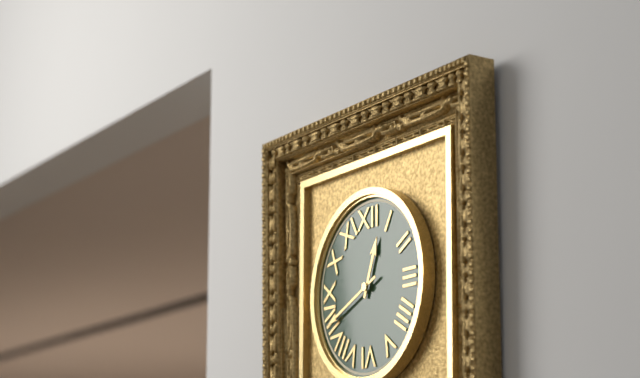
12:41
